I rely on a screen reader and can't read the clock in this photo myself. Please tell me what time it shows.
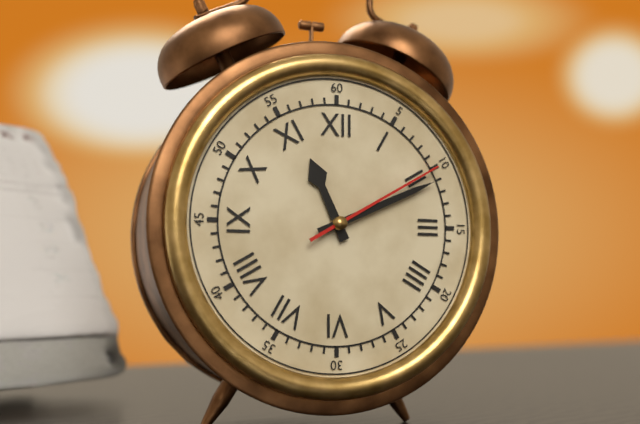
11:11:10
